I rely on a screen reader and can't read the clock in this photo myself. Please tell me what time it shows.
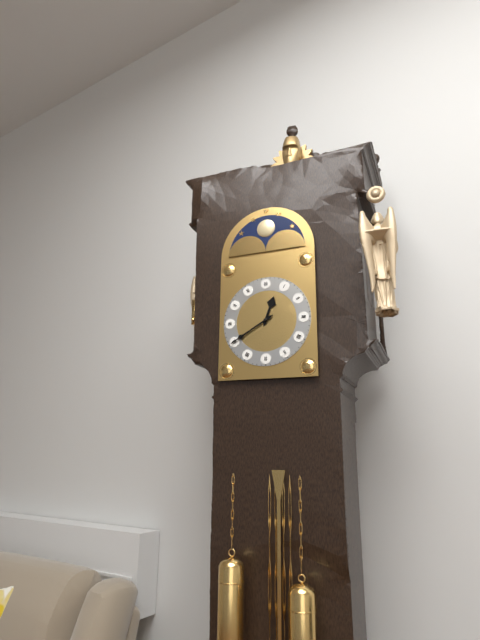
12:40
